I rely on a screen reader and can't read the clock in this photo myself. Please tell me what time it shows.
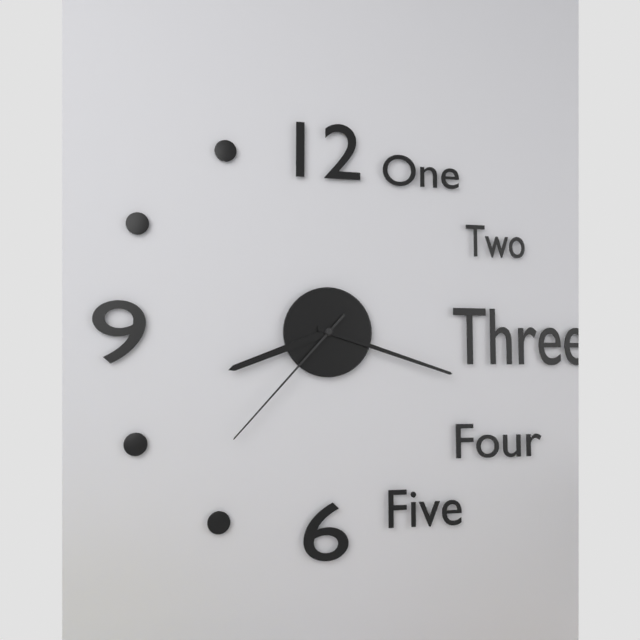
8:18:37
